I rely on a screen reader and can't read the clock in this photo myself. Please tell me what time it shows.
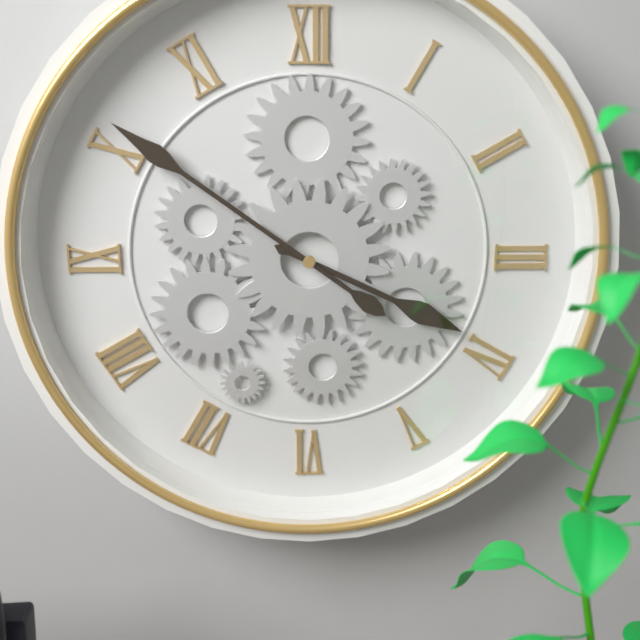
3:51
